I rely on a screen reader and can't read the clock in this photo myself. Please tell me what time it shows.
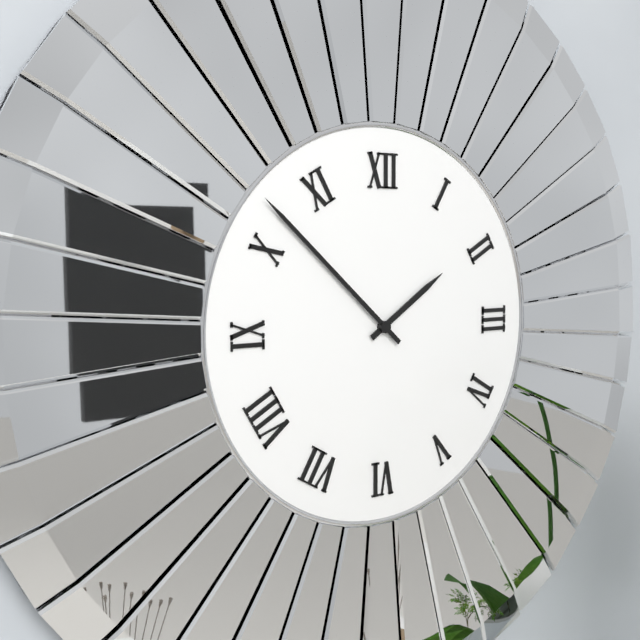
1:52
